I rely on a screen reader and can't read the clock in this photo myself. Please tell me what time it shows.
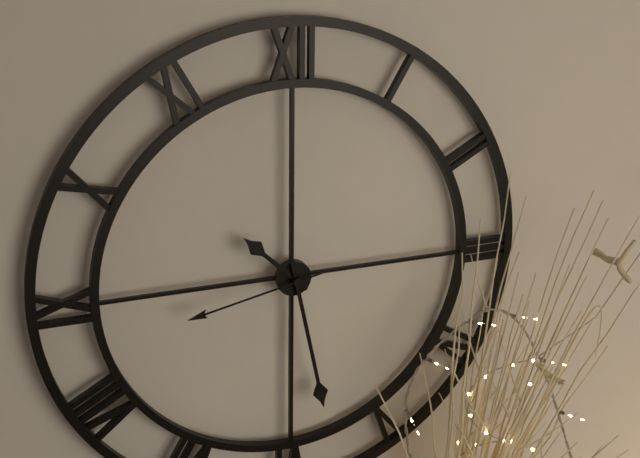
10:28:43
